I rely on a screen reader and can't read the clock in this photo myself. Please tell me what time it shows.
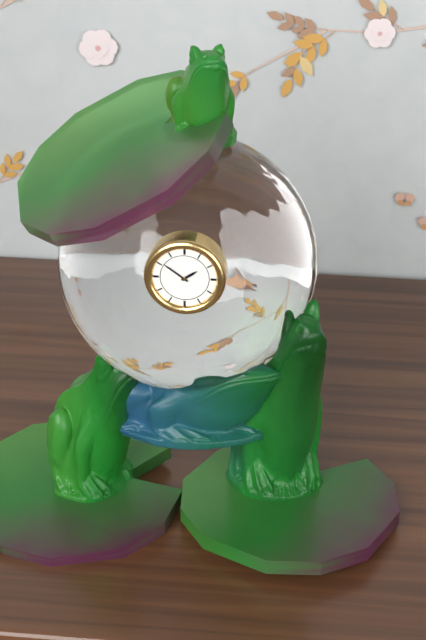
1:51
